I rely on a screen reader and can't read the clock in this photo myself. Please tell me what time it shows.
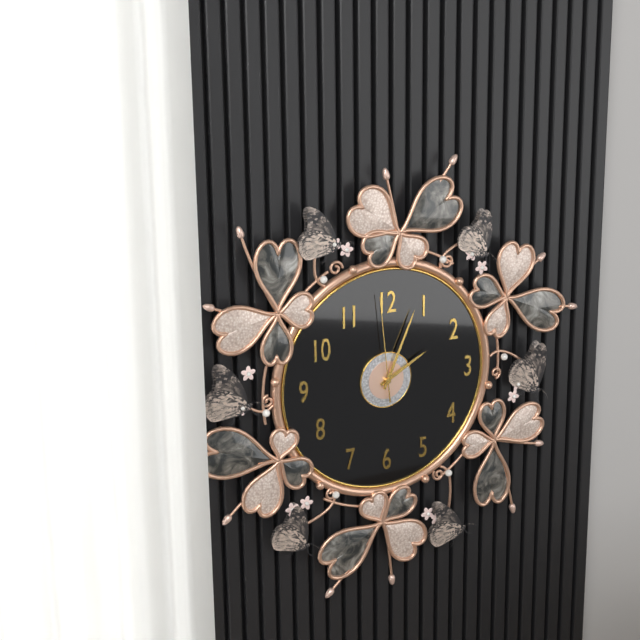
2:04:59
